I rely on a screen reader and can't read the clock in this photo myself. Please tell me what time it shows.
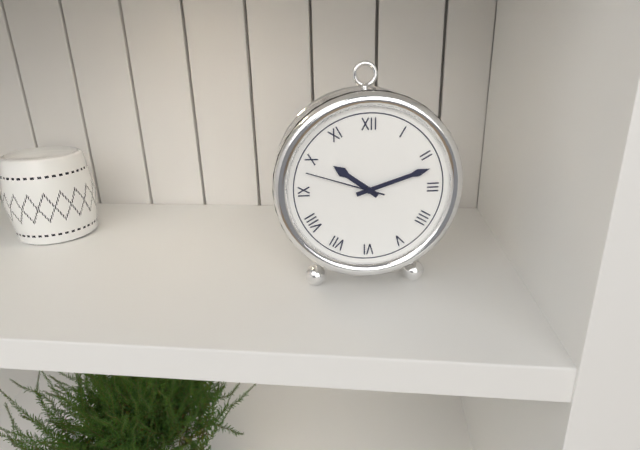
10:12:48
